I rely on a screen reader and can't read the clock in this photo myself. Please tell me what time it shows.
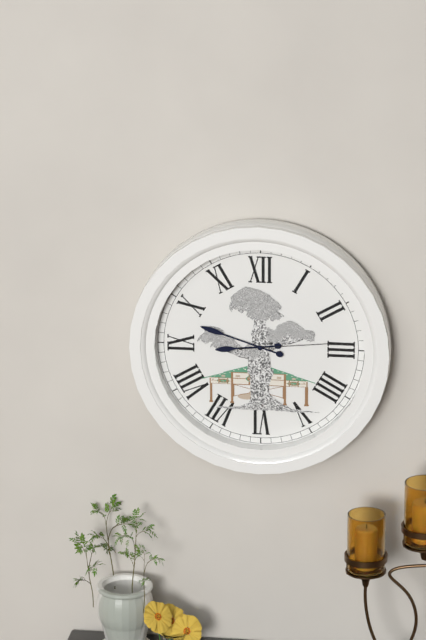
8:48:14
